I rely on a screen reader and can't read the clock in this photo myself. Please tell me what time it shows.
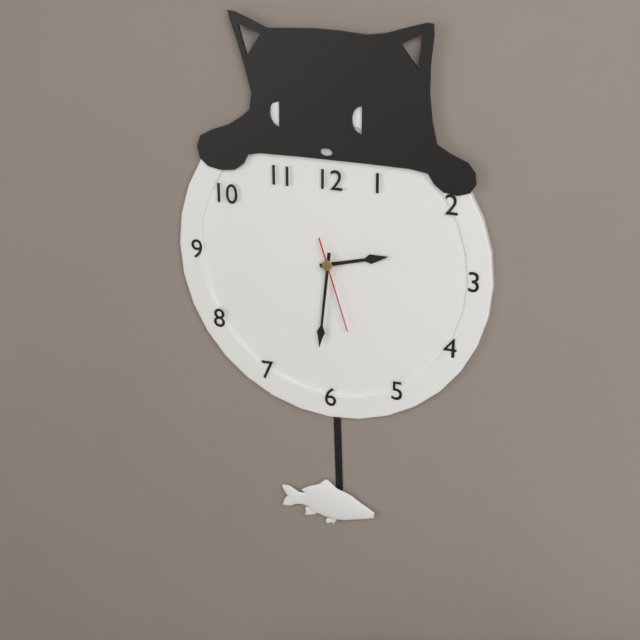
2:31:27
